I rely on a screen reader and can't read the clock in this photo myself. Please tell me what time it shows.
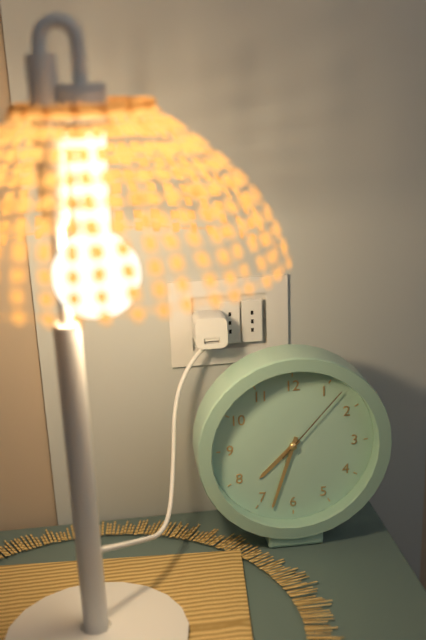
7:33:07
